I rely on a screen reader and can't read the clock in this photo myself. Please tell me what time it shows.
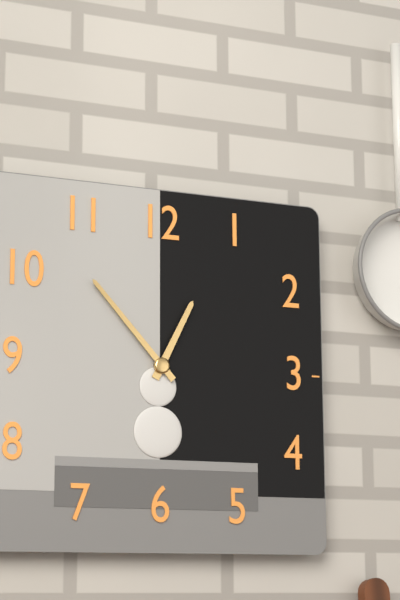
12:53
